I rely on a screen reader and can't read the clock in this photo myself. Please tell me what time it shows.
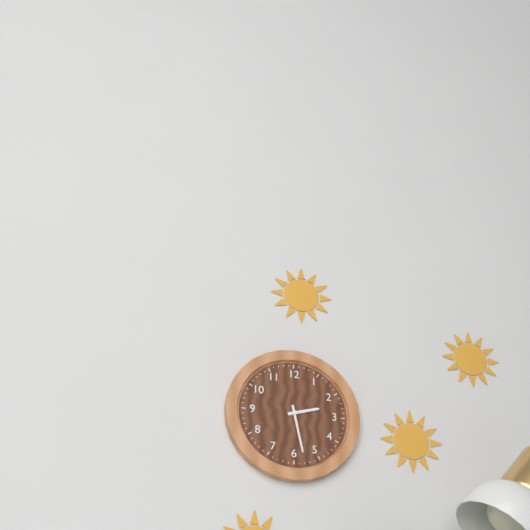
2:28
